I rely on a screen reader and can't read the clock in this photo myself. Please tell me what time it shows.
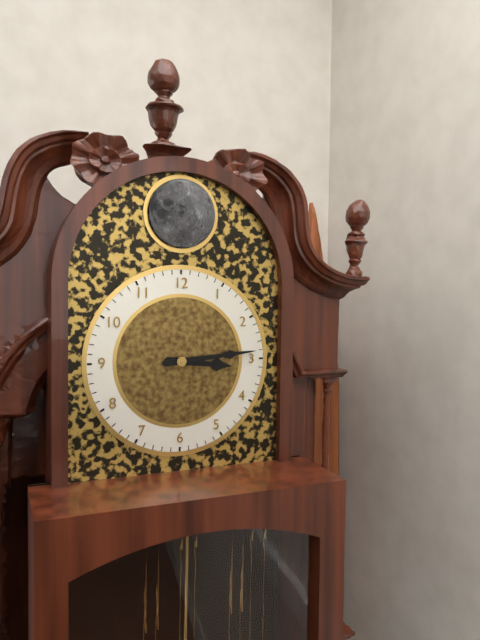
3:14
